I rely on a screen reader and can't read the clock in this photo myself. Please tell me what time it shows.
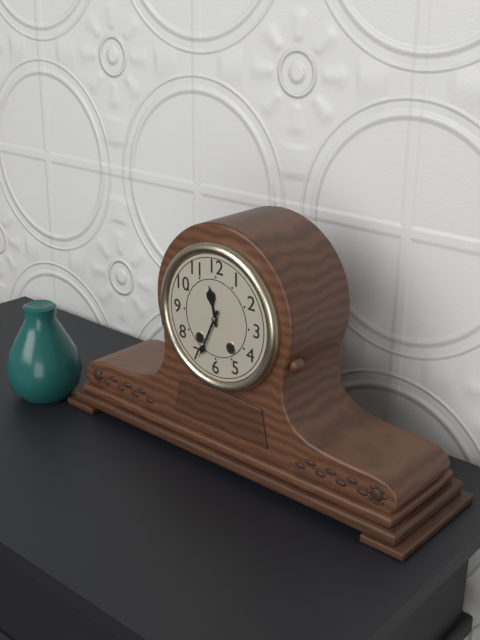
11:34
